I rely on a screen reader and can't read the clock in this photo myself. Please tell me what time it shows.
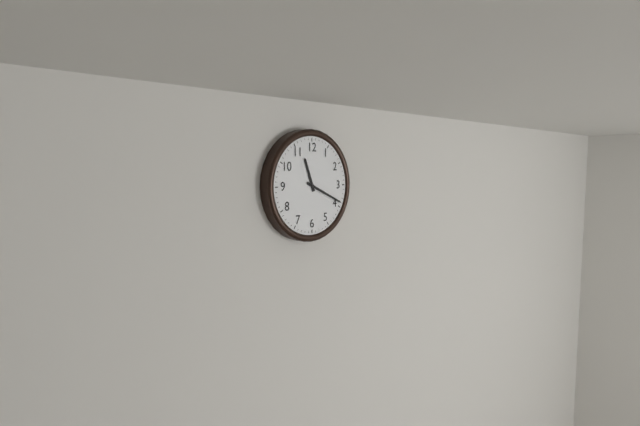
11:19
